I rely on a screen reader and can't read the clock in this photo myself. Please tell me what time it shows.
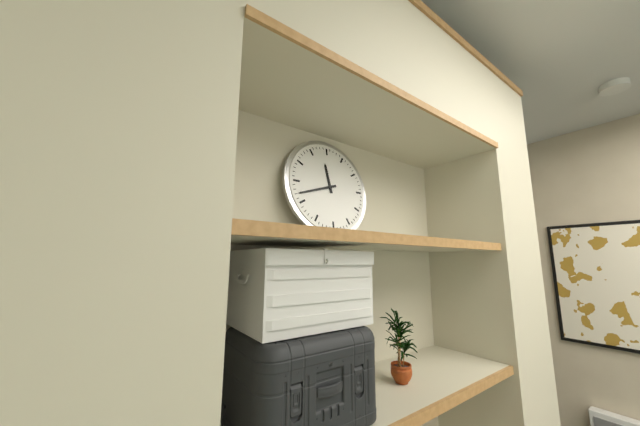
11:42
